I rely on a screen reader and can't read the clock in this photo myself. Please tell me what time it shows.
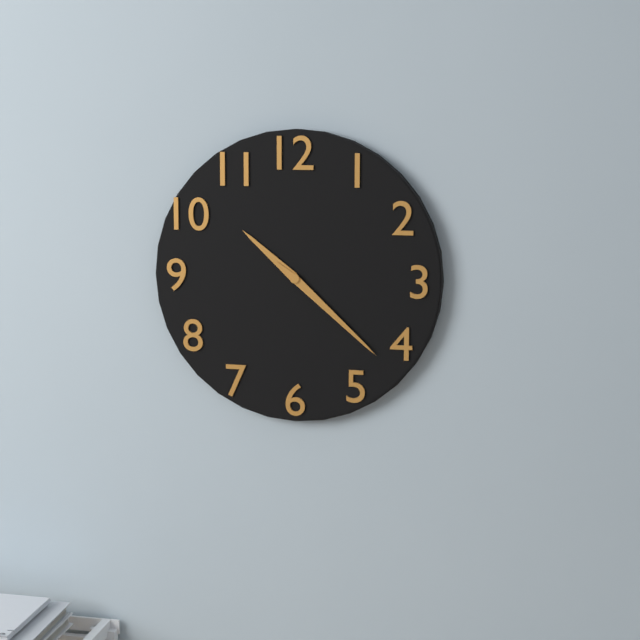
10:22
